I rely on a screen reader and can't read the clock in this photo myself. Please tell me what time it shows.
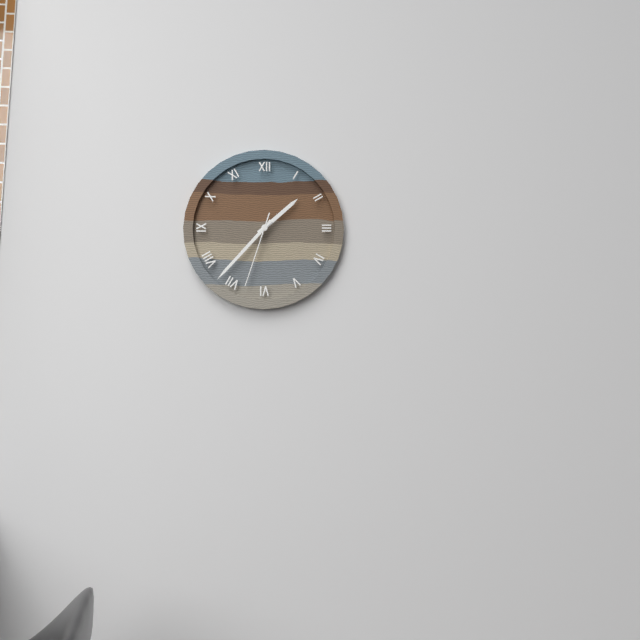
1:37:33
